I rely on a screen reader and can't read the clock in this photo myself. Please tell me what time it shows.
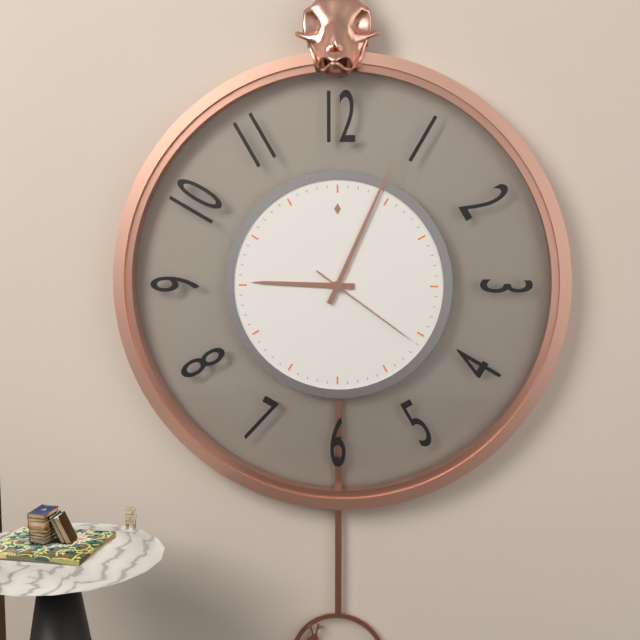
9:04:21
